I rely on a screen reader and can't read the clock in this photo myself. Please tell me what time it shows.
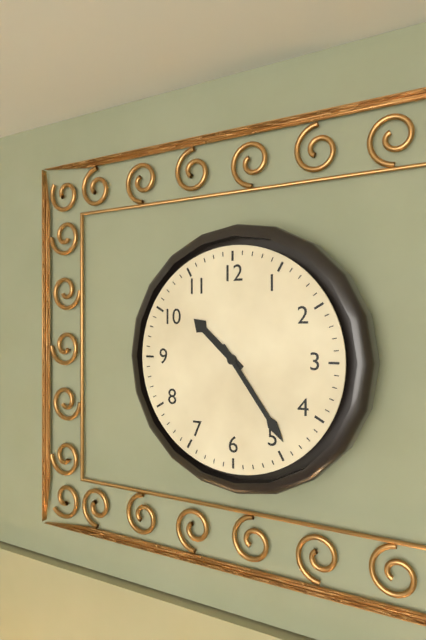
10:24
